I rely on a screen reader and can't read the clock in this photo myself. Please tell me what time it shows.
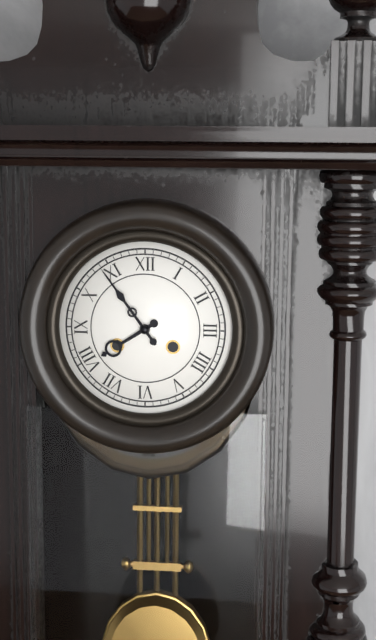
7:54
